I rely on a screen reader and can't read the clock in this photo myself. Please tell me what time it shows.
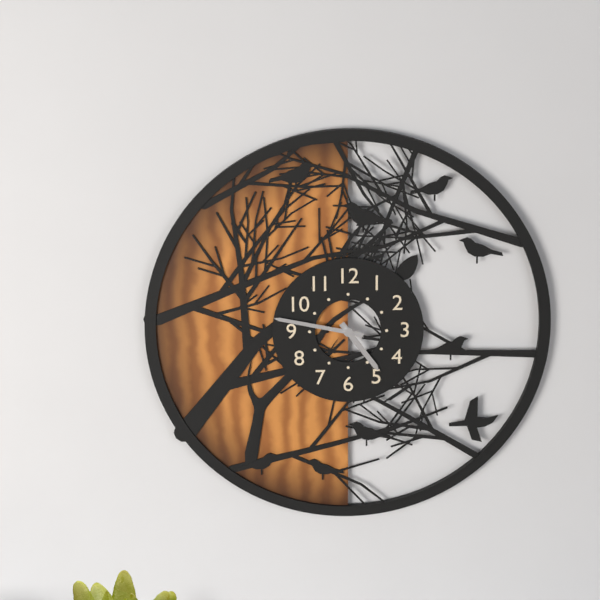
4:47
